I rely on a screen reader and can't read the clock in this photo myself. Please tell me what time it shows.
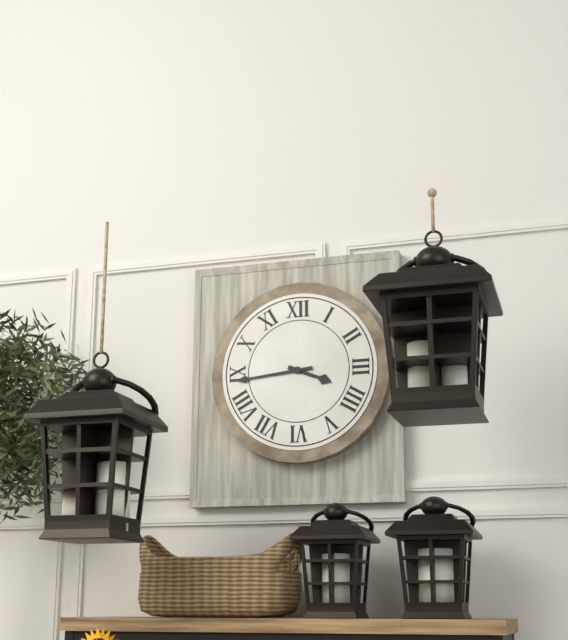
3:44
